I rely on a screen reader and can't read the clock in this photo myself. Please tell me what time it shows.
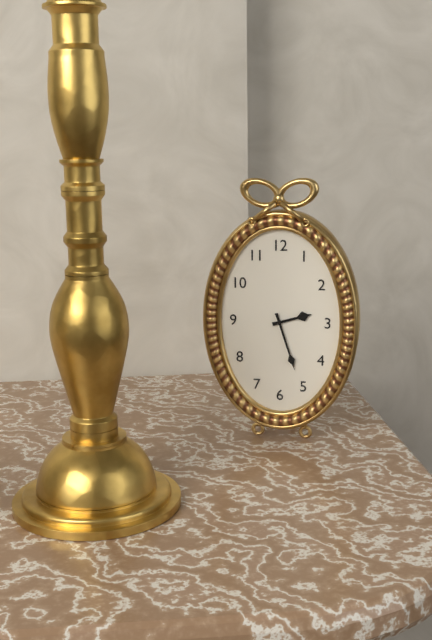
2:27
